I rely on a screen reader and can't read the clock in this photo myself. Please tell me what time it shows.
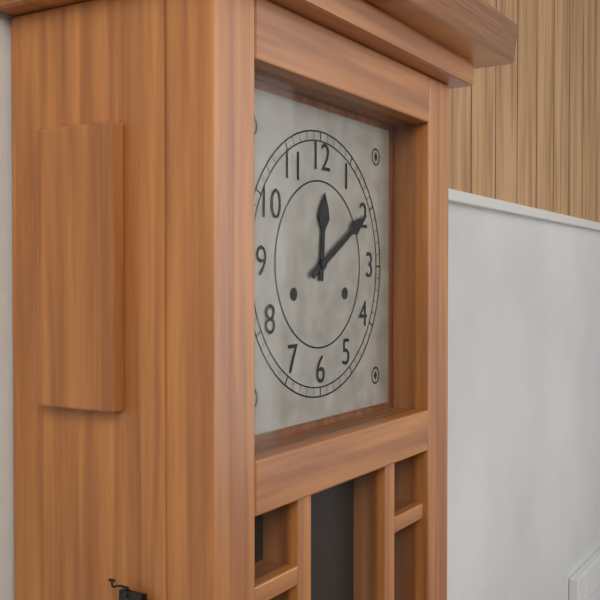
12:10
